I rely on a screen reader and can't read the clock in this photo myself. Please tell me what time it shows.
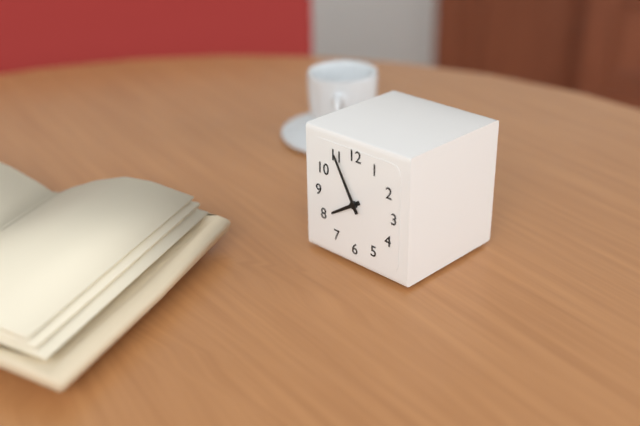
7:55
